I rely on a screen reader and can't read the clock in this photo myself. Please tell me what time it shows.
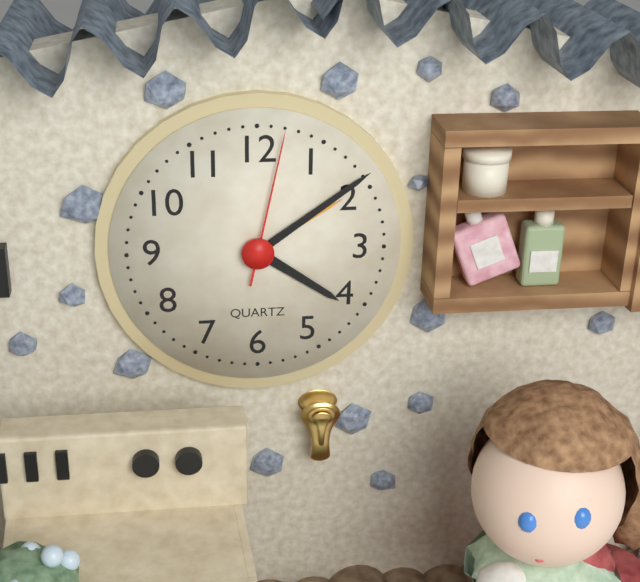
4:09:02
